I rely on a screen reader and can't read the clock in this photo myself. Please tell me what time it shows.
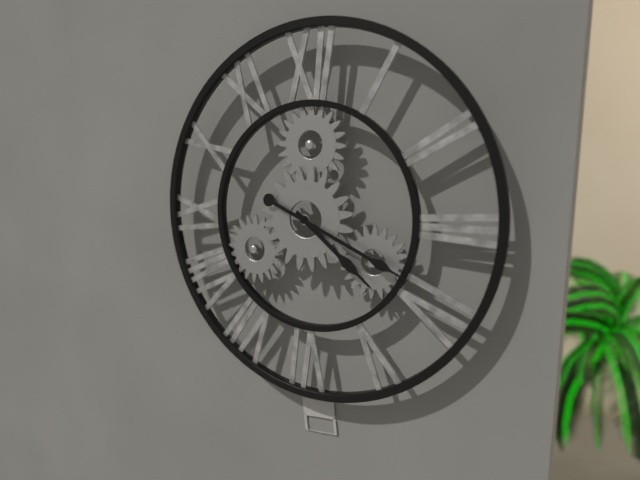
4:19
